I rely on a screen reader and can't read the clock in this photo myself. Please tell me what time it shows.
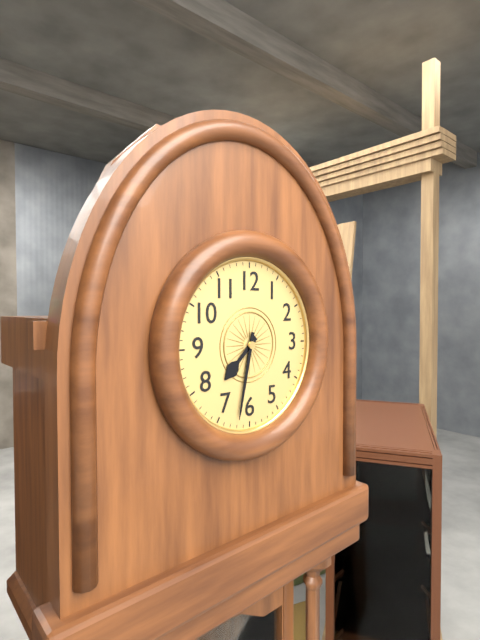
7:32
